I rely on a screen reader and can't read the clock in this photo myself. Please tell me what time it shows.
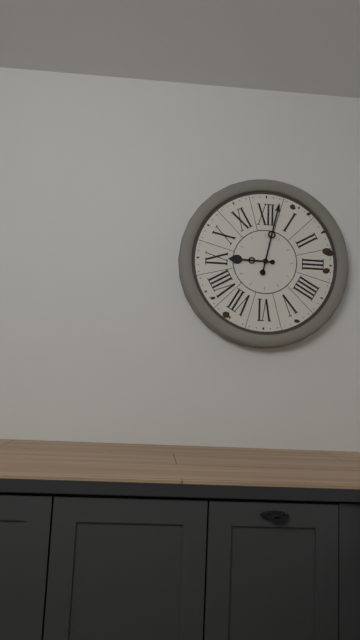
9:02
